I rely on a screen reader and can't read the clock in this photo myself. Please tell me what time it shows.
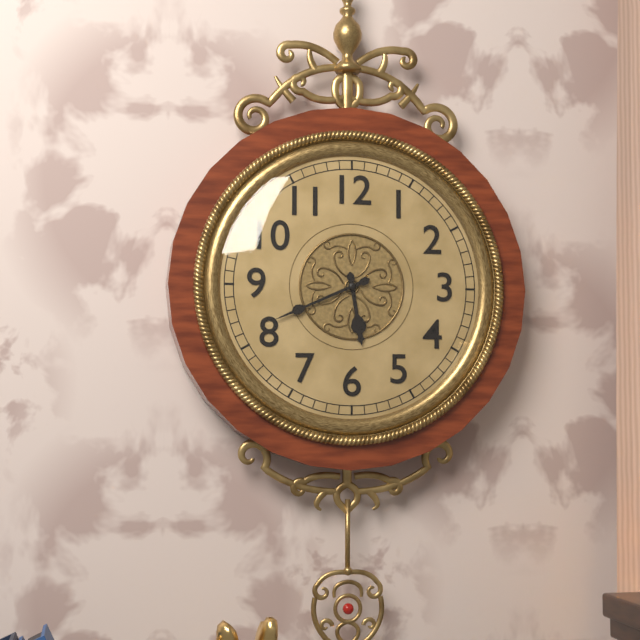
5:41
